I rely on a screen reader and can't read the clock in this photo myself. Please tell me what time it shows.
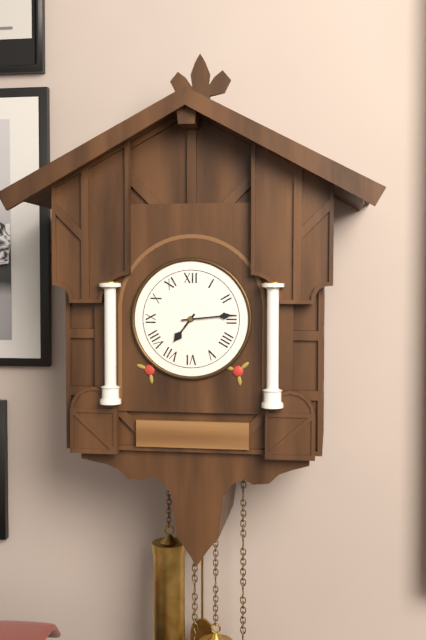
7:14
